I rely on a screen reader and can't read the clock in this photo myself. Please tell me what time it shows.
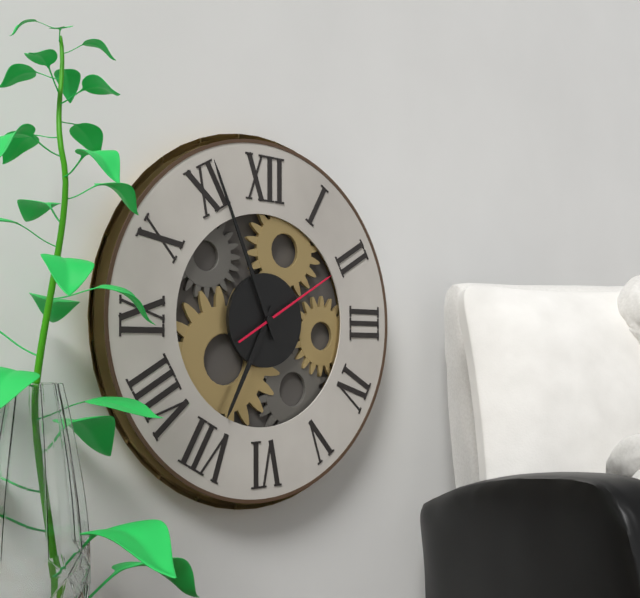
6:56:10
